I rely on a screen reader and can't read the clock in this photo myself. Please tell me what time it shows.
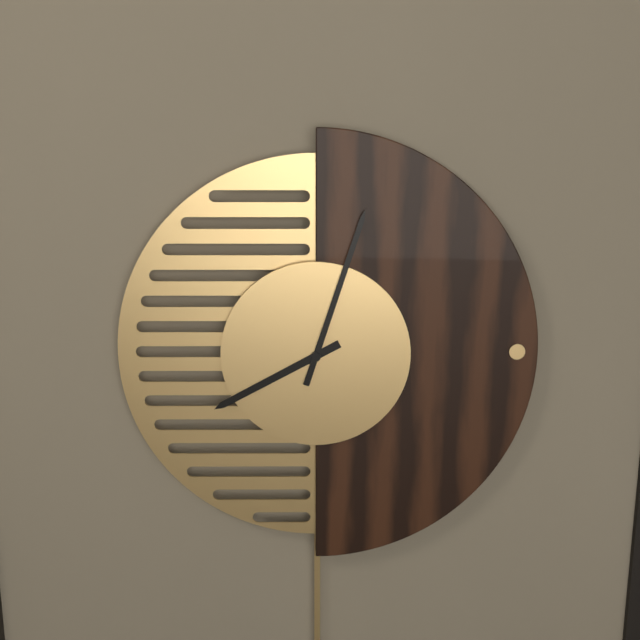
8:03
